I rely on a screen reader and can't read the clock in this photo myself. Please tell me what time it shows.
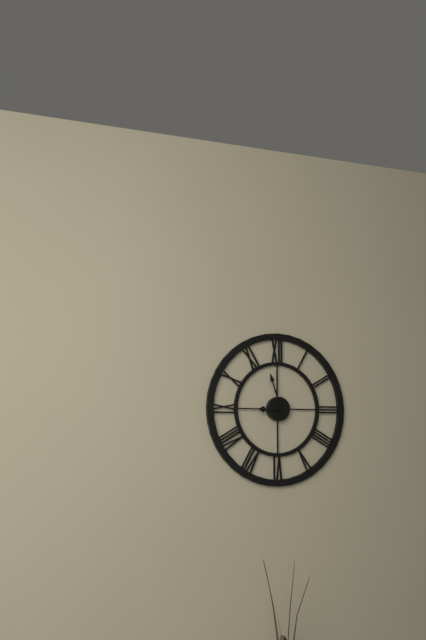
8:57
